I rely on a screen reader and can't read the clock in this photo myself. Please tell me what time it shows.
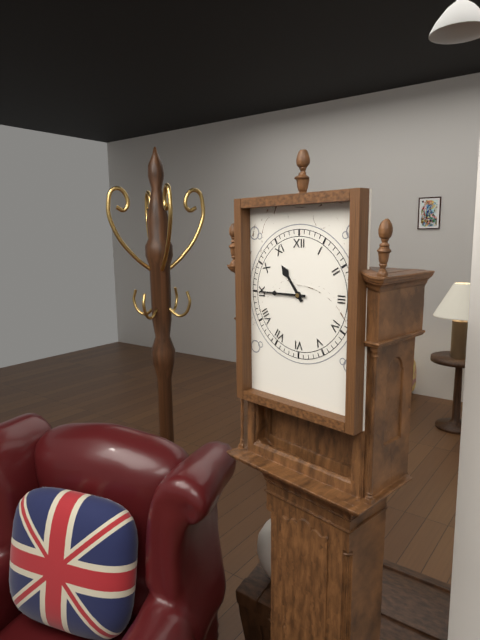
10:45
